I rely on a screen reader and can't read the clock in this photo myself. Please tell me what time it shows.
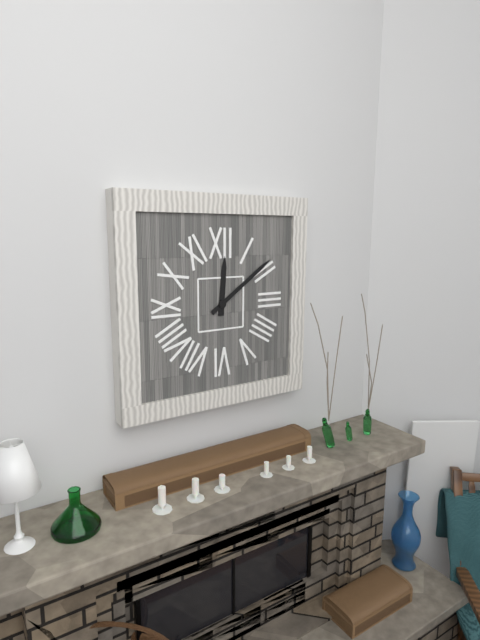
12:09
